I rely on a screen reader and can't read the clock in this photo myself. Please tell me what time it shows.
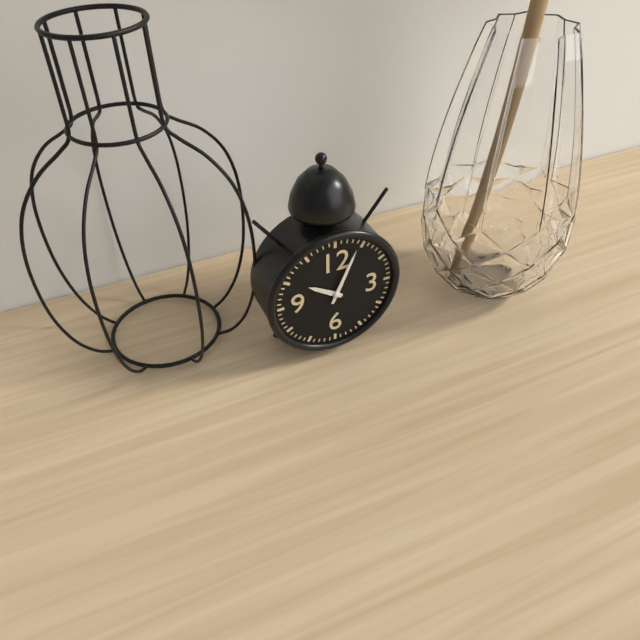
10:04
